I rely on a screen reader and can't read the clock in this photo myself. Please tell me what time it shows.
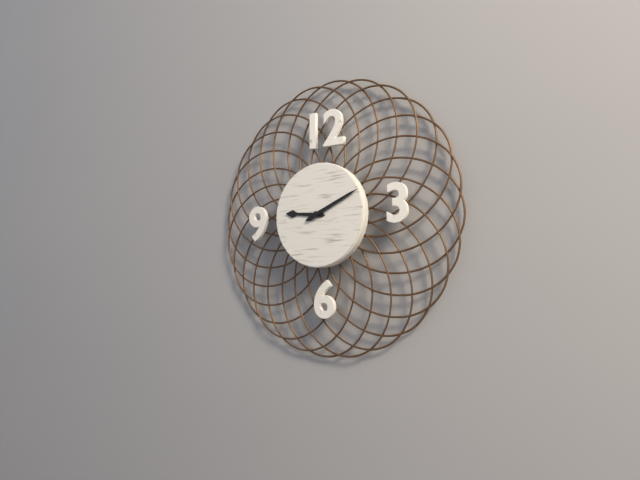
9:11
